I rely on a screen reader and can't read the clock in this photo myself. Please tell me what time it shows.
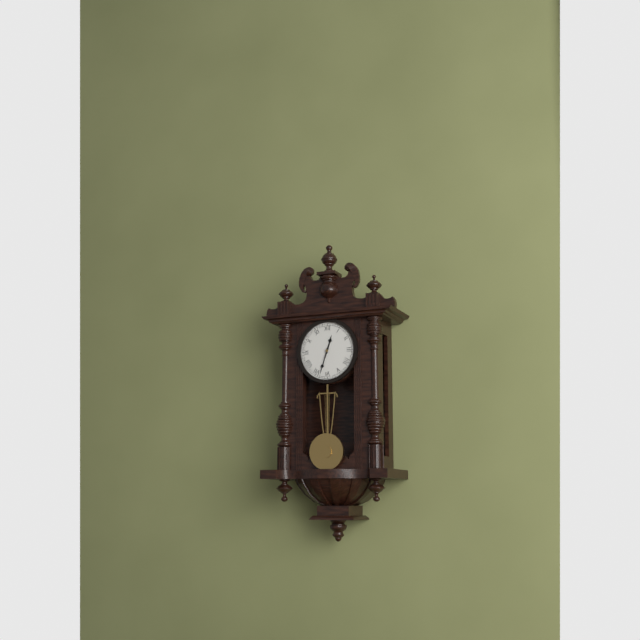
12:33
